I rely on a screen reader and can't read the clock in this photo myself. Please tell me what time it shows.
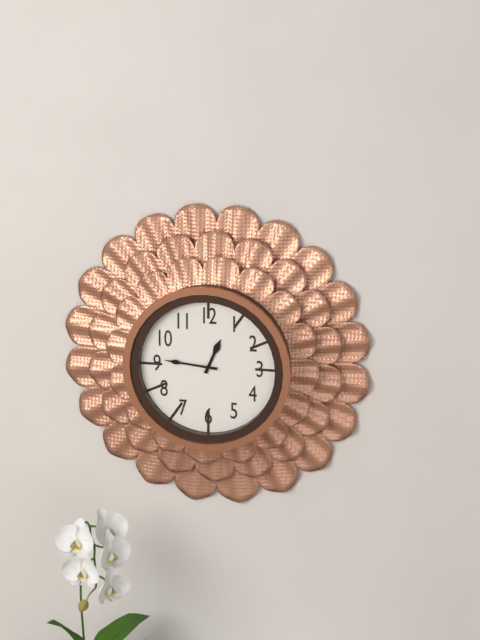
12:46
